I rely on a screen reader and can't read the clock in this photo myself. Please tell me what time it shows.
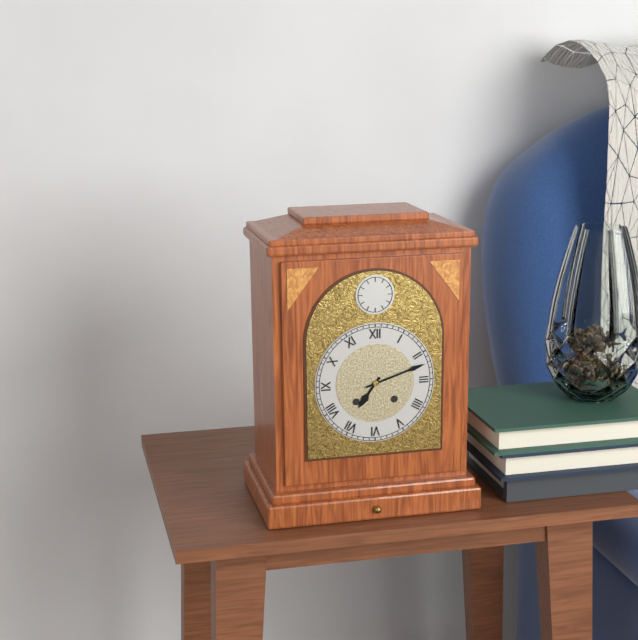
7:12
